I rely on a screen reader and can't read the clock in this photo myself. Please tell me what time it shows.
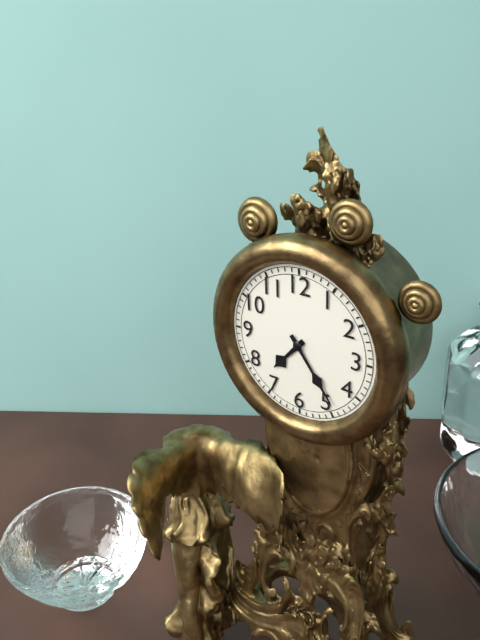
7:24
